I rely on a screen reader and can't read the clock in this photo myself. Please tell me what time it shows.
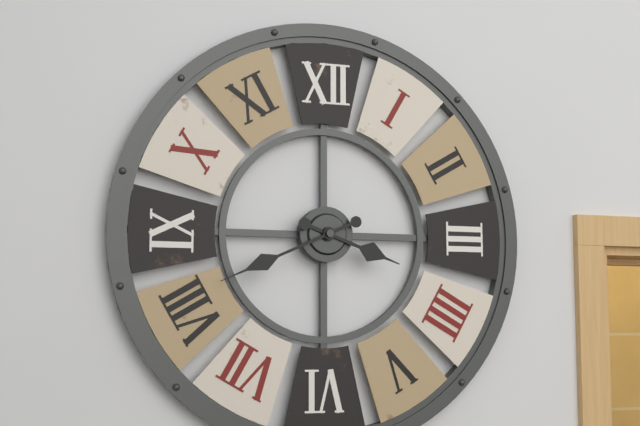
3:41
